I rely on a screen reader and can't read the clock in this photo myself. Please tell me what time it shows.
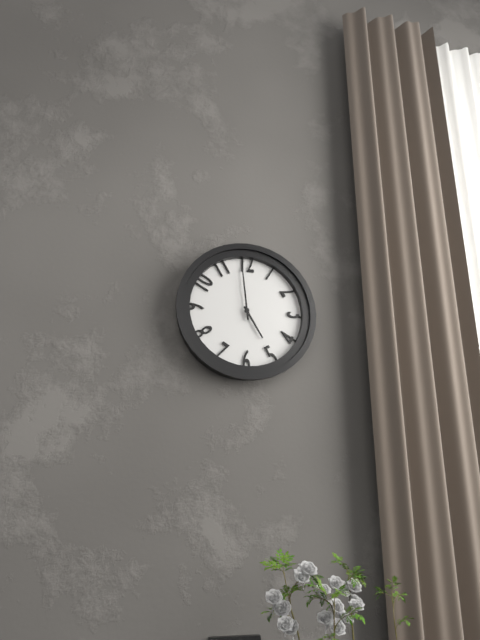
4:59
